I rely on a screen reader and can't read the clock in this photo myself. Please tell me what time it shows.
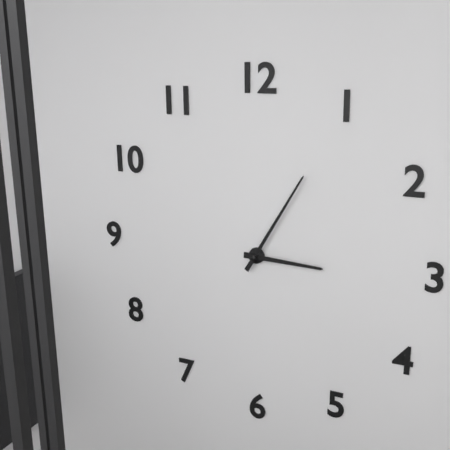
3:05
